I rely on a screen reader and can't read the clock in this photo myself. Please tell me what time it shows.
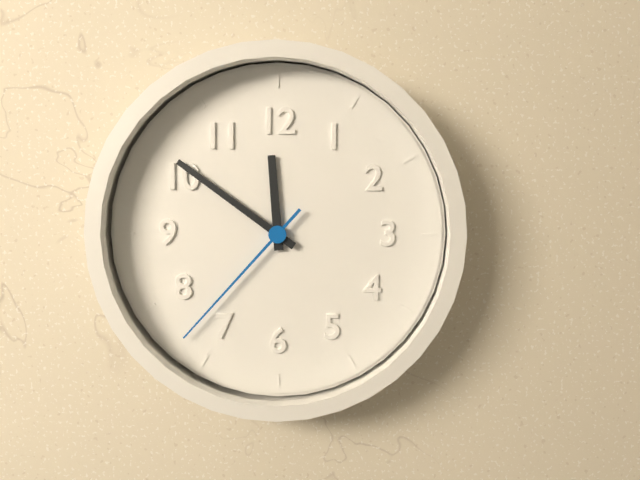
11:51:37
